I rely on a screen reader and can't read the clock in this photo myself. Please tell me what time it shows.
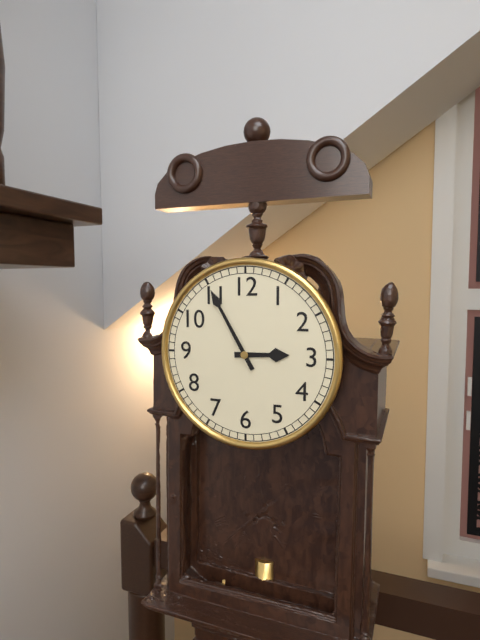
2:55
